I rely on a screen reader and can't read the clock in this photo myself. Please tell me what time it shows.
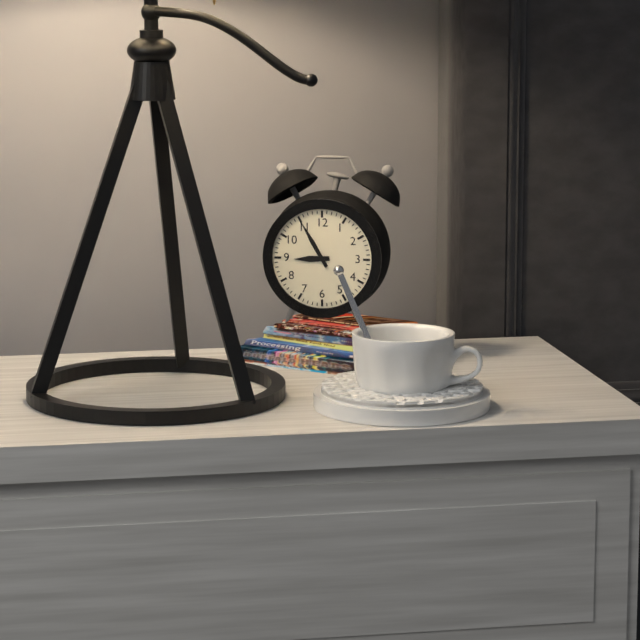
8:55
